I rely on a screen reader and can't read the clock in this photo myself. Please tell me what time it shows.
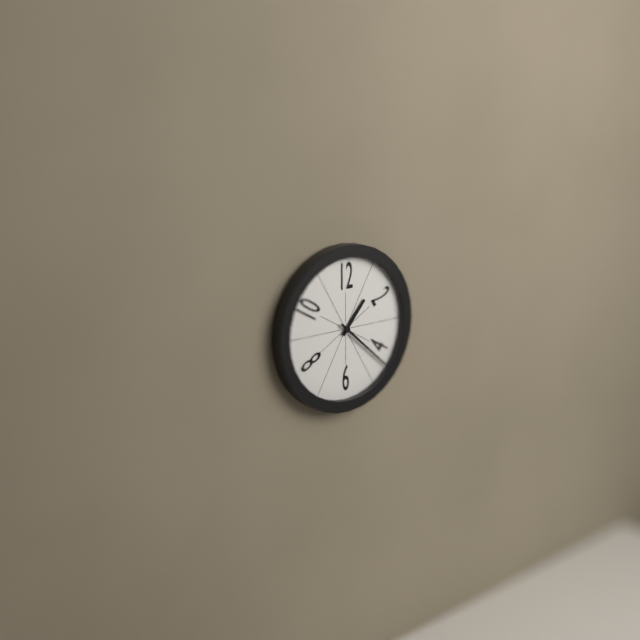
1:22
